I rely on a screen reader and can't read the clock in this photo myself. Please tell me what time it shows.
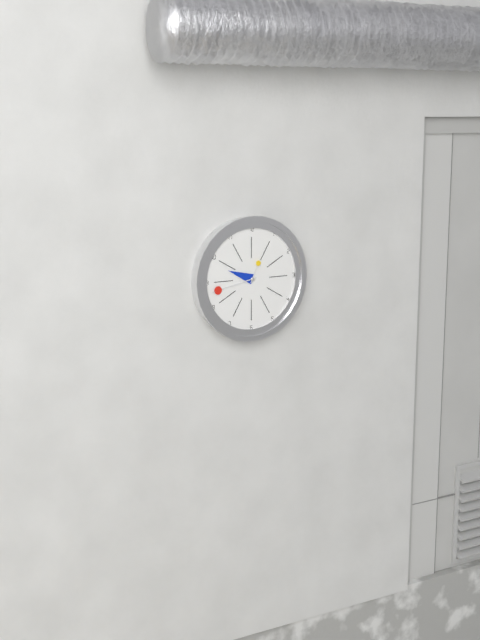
9:43
